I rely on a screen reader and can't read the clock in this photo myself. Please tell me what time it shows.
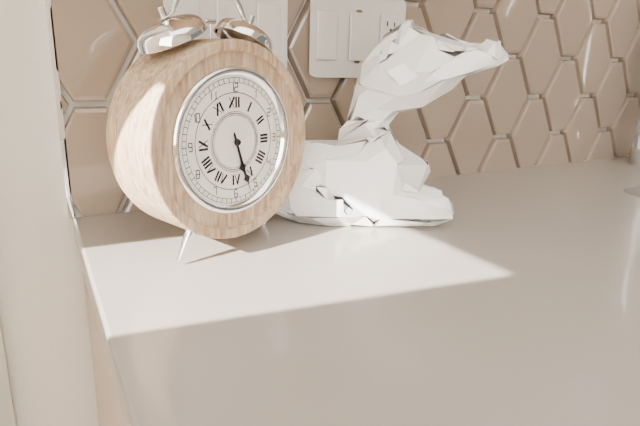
5:27
